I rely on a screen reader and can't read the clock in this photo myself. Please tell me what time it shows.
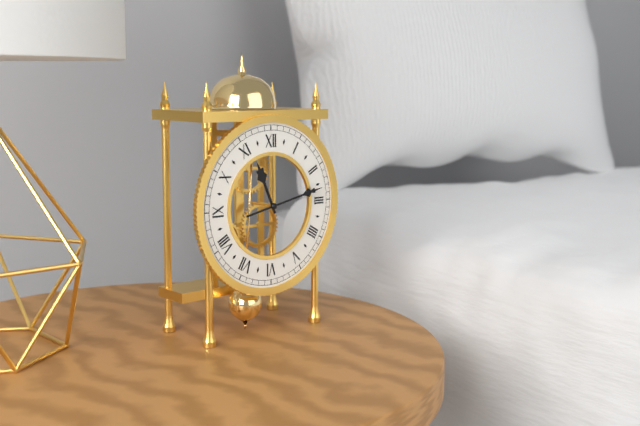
11:13
